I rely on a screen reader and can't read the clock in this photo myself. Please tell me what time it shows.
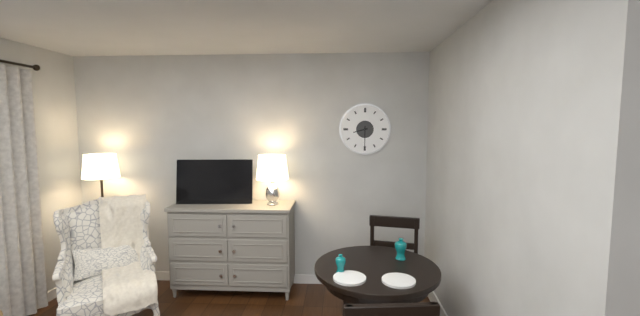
8:30
